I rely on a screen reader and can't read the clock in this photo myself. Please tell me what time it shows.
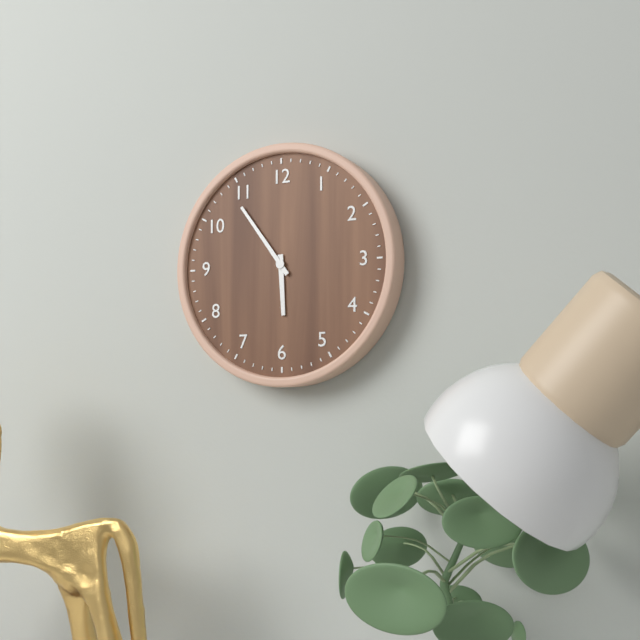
5:54
